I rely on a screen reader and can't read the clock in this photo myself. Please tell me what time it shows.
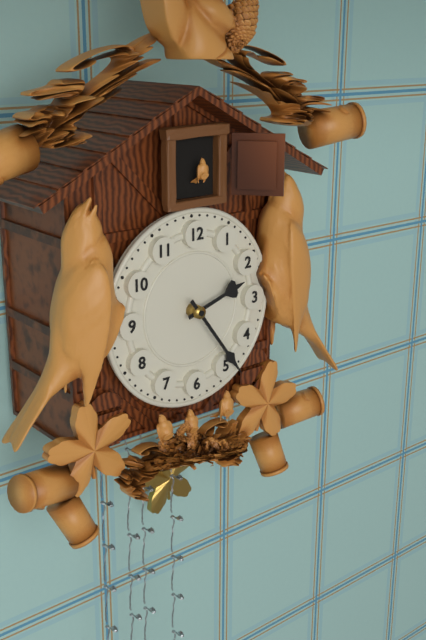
2:24
